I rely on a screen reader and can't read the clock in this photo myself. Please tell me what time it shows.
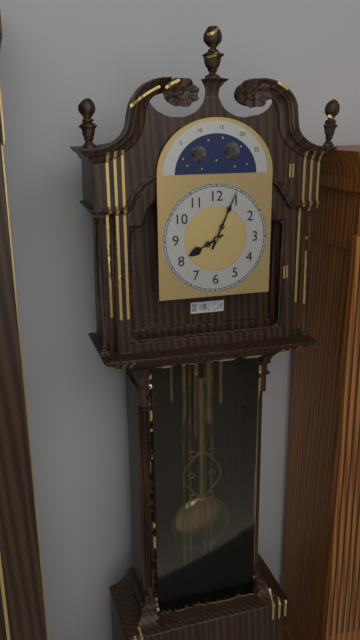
8:04
